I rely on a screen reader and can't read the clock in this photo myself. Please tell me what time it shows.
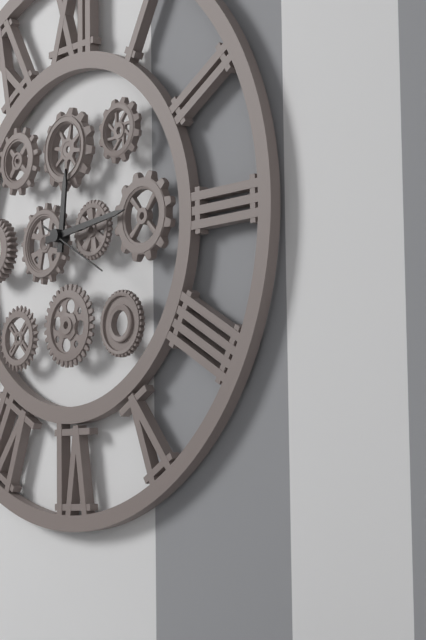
12:14
